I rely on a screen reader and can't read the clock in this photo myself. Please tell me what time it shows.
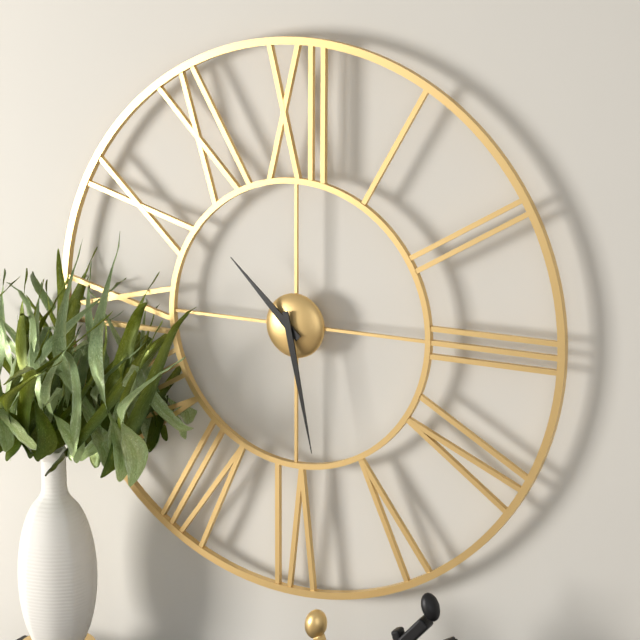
10:28
